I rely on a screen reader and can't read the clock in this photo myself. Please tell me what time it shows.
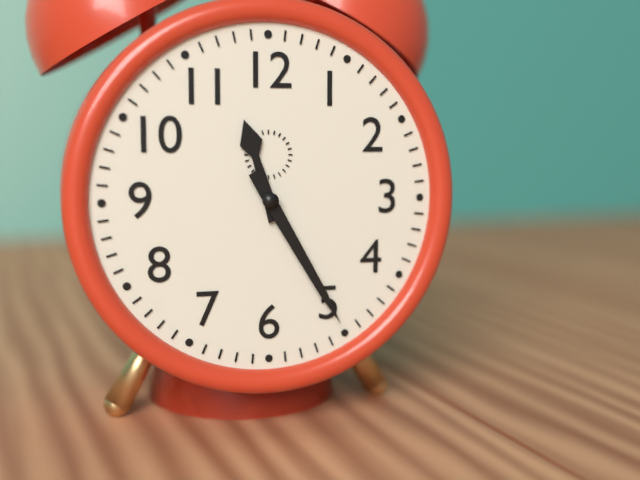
11:25
